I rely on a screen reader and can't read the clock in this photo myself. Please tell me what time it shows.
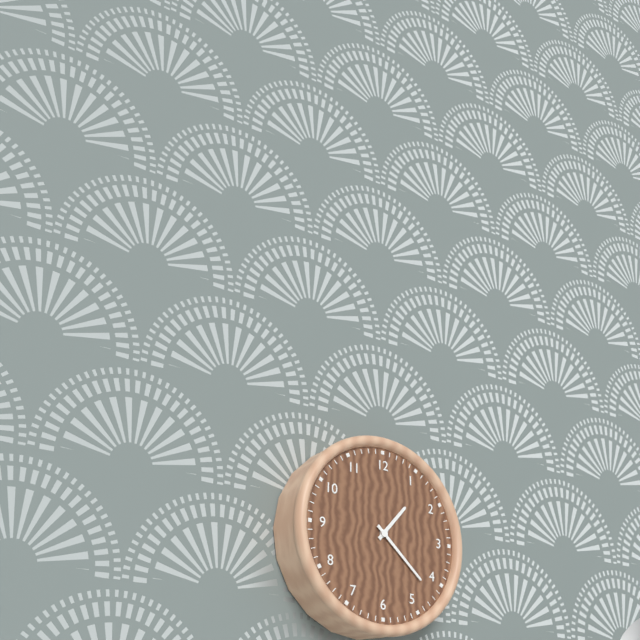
1:22
